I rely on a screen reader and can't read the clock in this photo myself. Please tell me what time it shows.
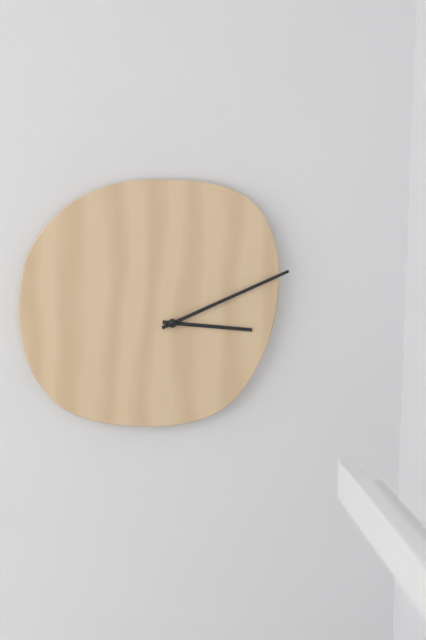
3:11
